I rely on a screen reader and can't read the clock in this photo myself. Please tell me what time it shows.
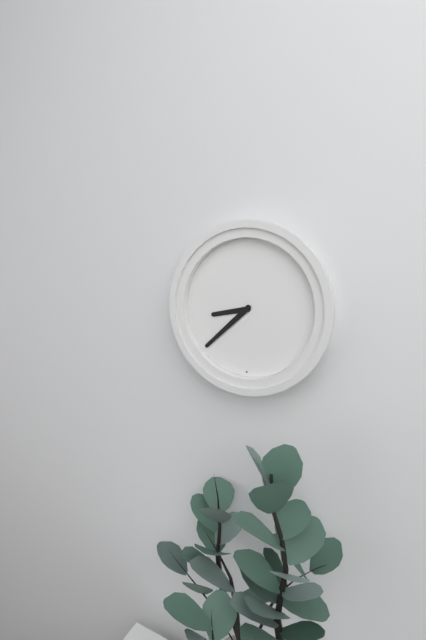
8:38
